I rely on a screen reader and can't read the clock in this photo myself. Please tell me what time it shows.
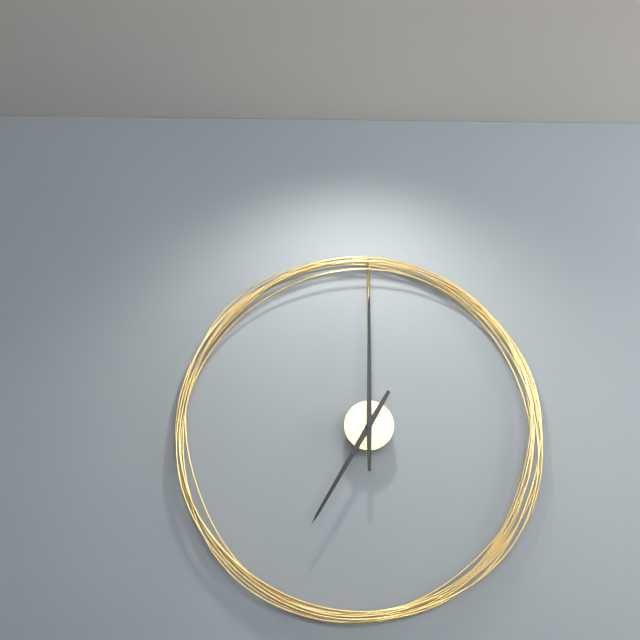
7:00
